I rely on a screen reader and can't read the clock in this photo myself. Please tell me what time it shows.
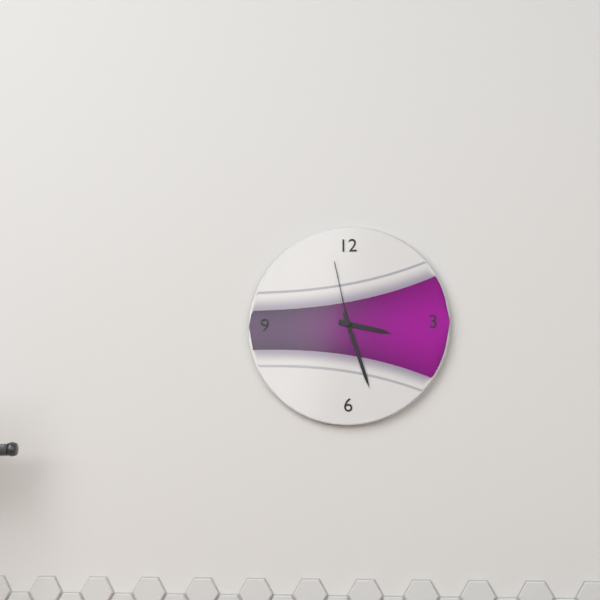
3:27:58
